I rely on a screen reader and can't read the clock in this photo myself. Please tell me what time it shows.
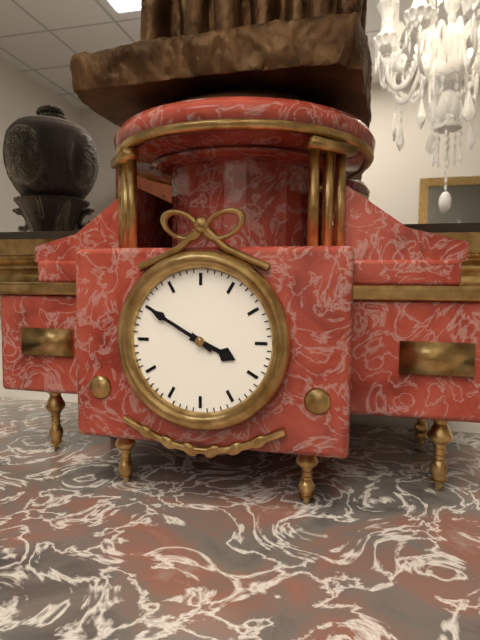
3:50
